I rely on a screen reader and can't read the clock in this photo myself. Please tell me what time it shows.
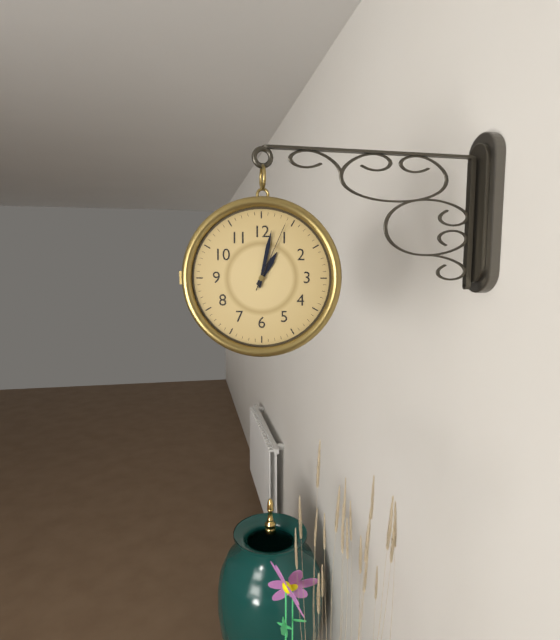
1:02:04
